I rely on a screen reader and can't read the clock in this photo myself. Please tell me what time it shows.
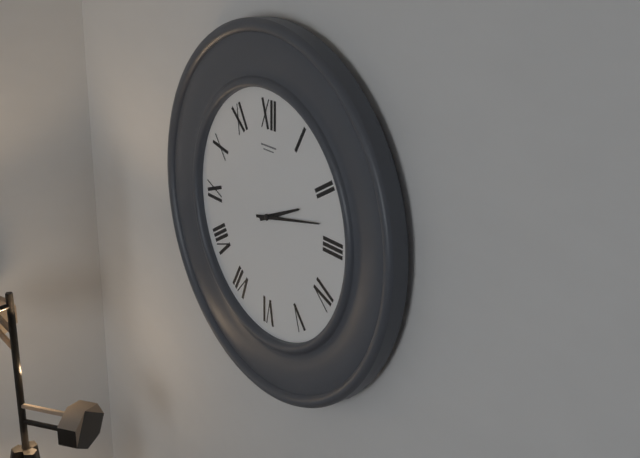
2:13
